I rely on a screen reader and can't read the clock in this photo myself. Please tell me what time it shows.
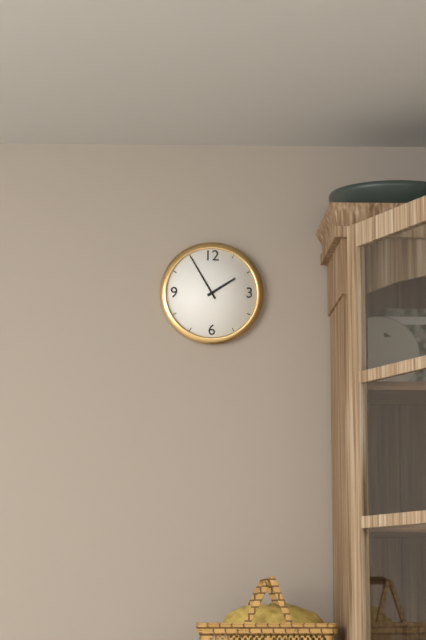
1:55
